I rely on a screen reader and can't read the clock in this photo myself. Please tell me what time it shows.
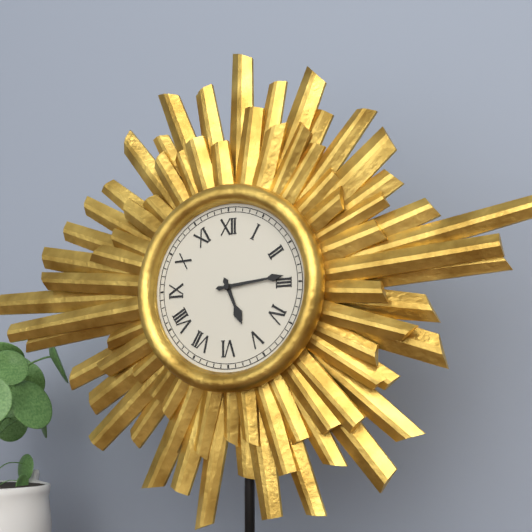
5:14
